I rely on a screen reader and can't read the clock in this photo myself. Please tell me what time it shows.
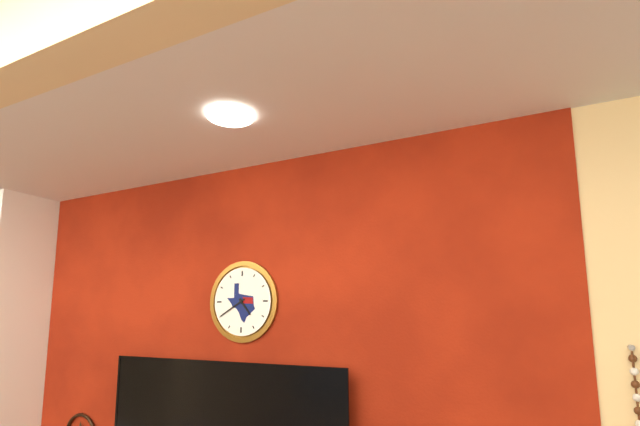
4:40
